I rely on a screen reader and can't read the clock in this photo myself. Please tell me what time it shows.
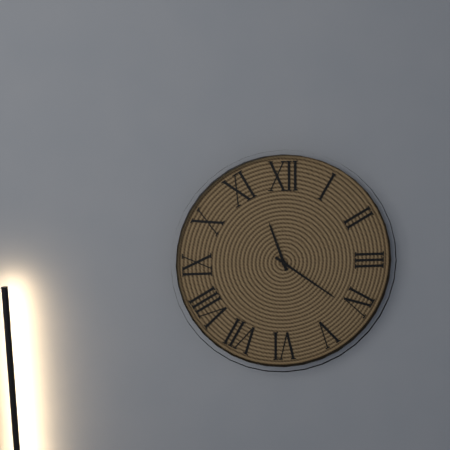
11:21
